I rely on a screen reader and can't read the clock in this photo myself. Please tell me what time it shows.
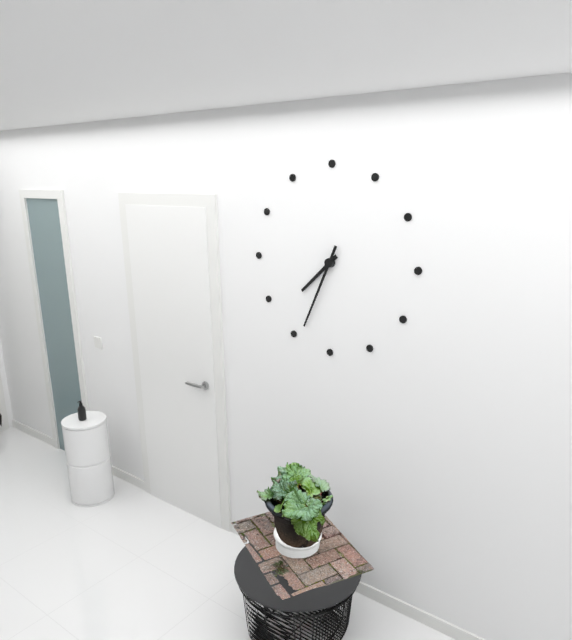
7:34
